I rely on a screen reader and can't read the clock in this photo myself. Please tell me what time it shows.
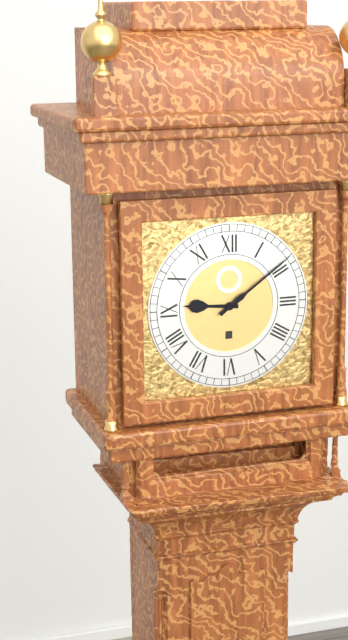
9:09
